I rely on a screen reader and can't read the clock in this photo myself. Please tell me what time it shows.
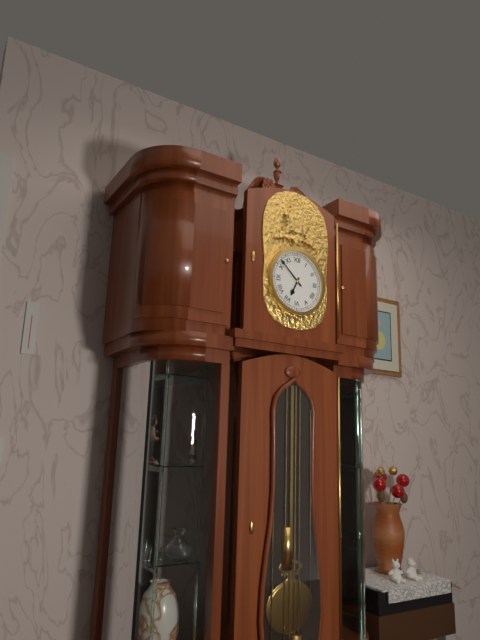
6:52
